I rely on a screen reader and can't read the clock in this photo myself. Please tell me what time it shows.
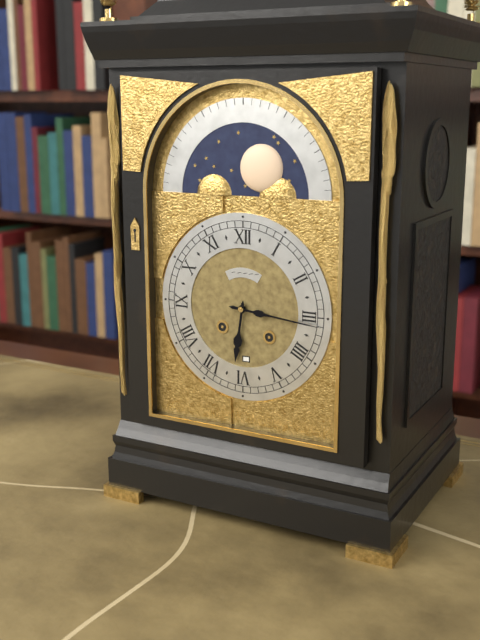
6:16
